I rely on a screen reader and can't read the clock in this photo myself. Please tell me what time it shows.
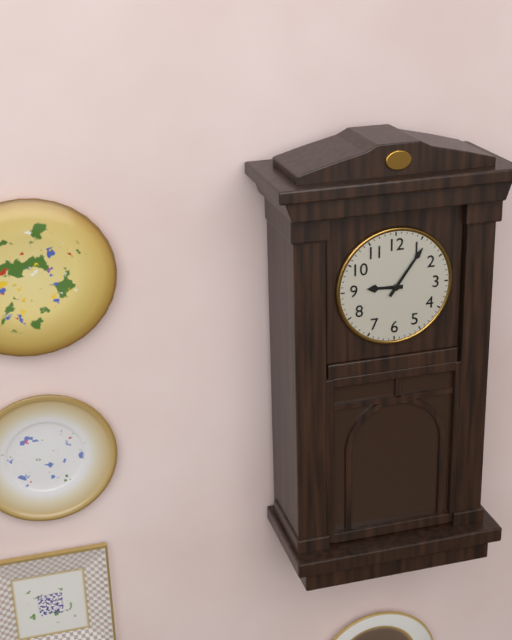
9:06
